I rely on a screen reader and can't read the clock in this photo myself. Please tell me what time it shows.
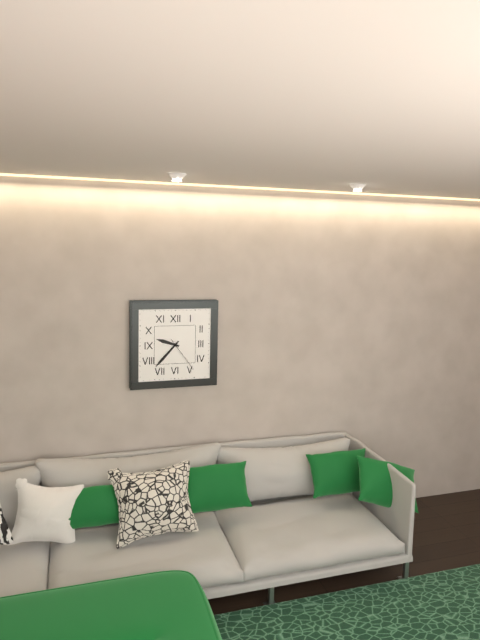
9:37
